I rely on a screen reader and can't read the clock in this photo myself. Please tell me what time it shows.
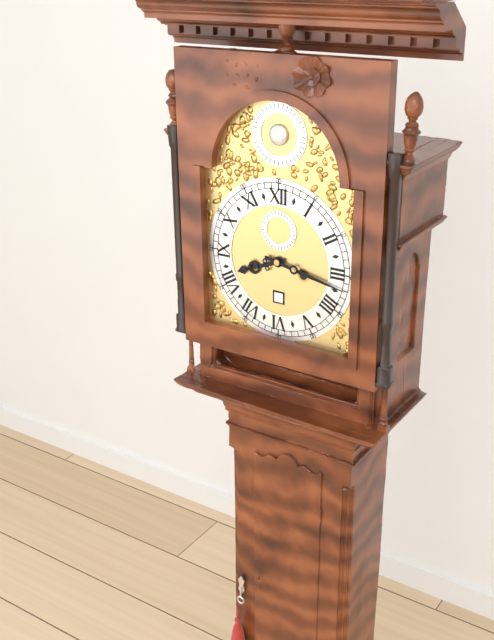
8:17
